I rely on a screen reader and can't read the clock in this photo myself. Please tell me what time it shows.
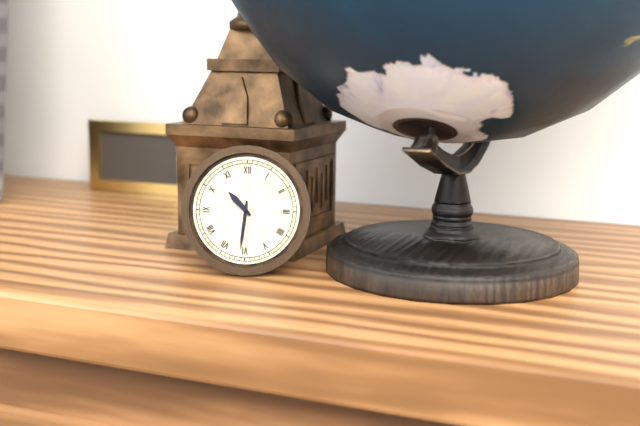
10:31
